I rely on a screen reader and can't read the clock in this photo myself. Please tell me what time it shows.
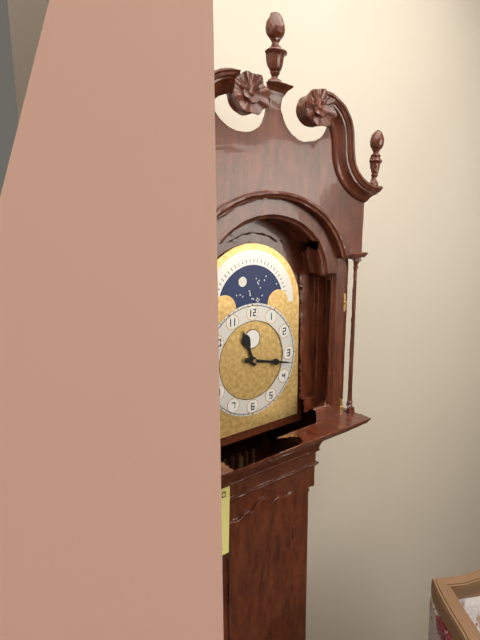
11:17
